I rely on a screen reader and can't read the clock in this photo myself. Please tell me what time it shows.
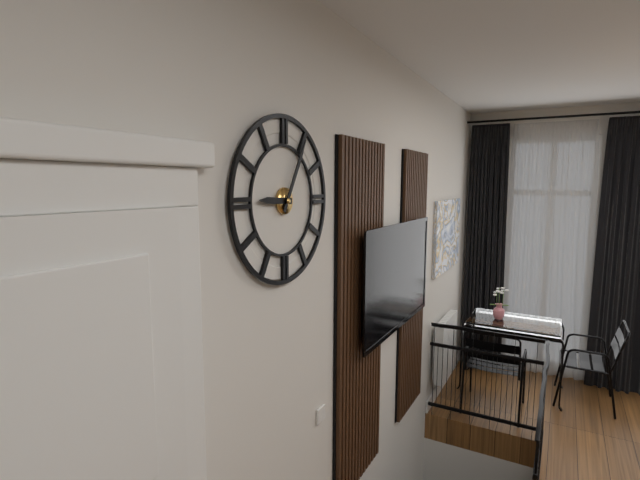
9:05
